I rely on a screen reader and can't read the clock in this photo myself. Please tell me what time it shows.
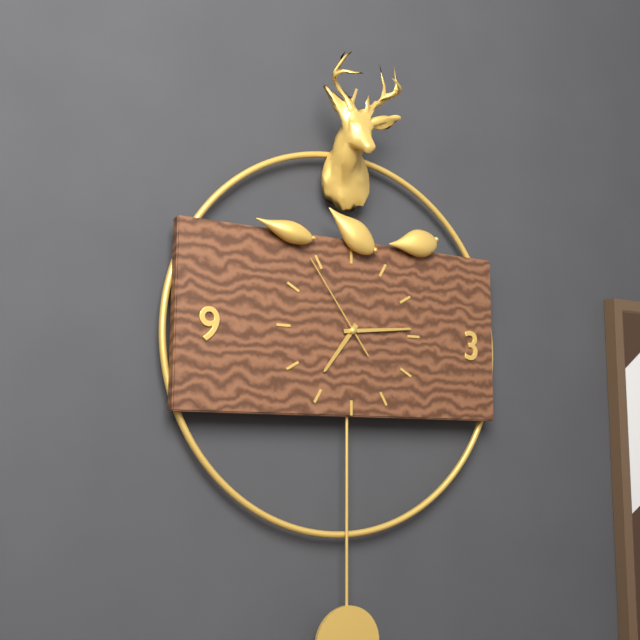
7:14:54
